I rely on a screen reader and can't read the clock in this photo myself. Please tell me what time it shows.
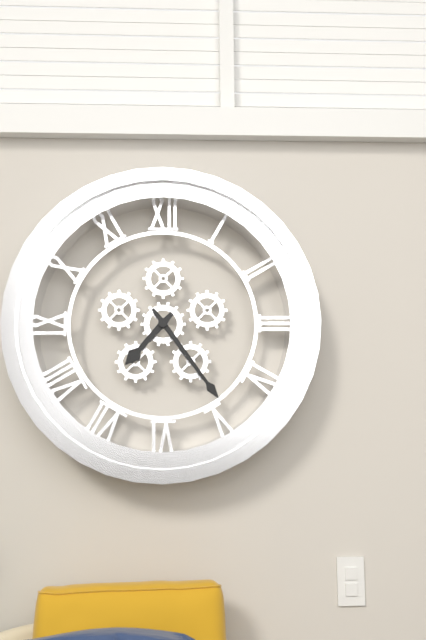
7:24
